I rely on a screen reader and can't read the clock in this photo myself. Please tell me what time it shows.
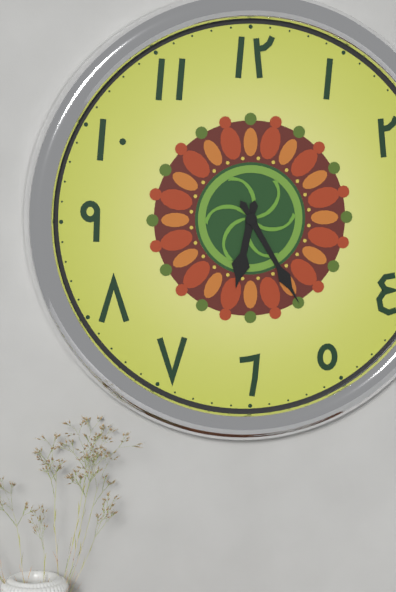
6:25
